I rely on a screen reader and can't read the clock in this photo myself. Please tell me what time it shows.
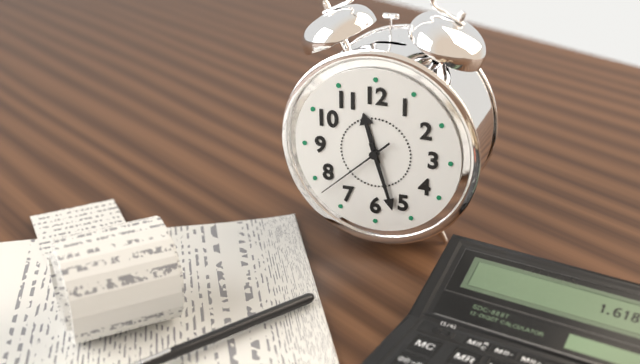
11:27:38
